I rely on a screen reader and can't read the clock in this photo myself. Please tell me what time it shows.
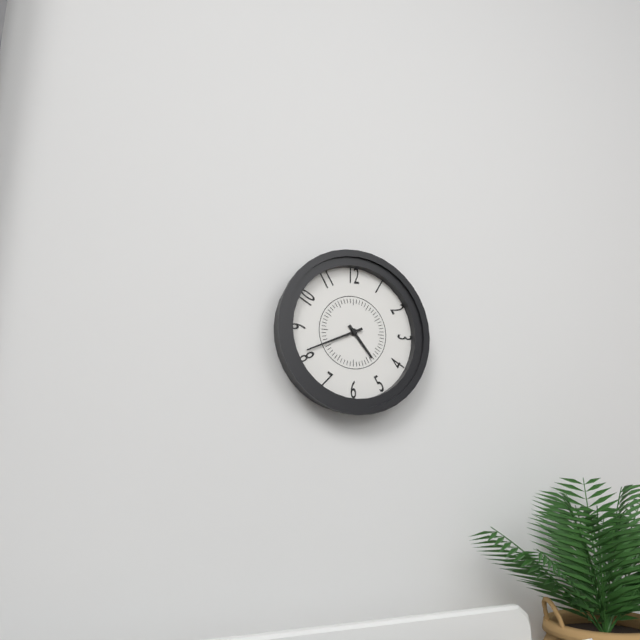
4:41
